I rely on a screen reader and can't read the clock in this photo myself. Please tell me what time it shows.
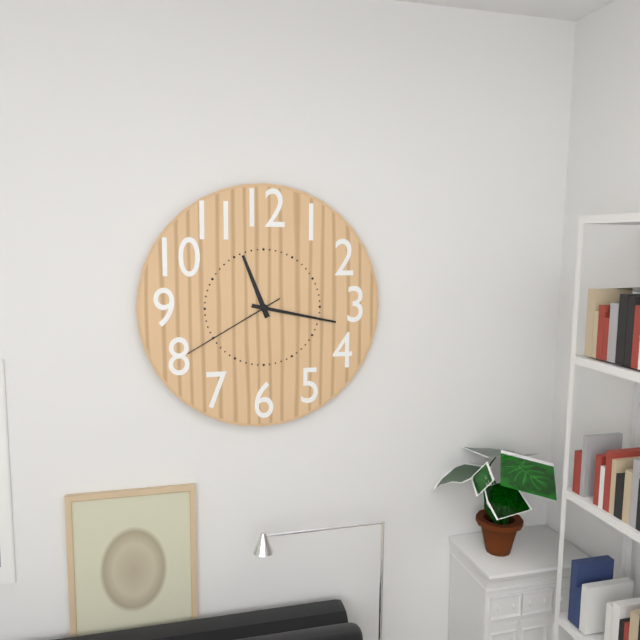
11:17:40
